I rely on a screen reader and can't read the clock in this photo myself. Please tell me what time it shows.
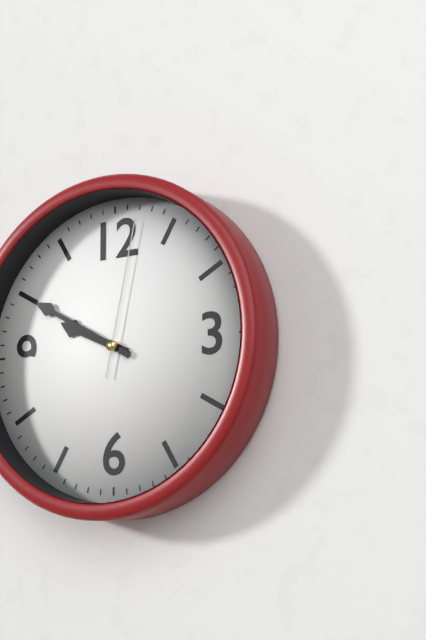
9:50:02
